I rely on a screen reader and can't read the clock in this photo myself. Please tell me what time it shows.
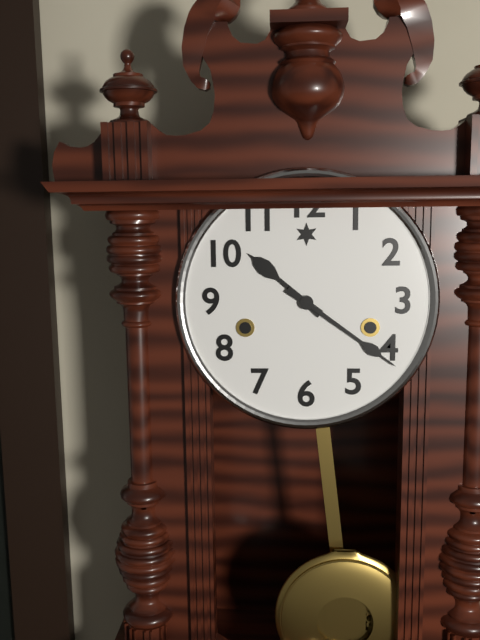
10:21
